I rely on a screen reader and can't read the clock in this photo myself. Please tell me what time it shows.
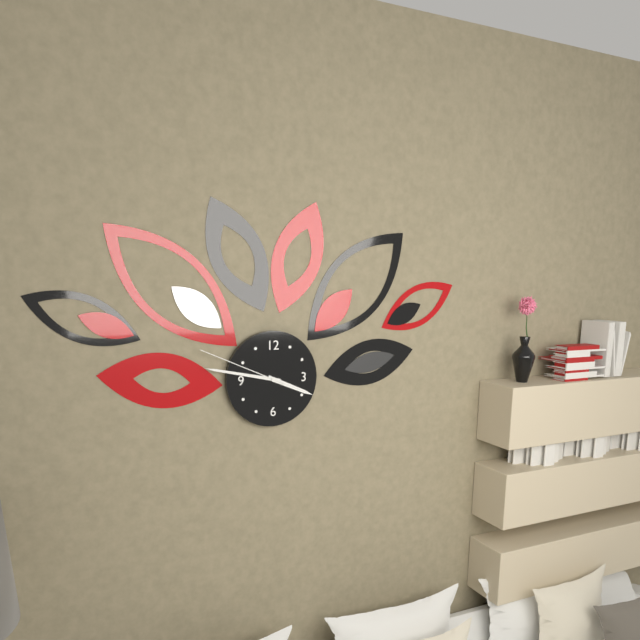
3:47:49
